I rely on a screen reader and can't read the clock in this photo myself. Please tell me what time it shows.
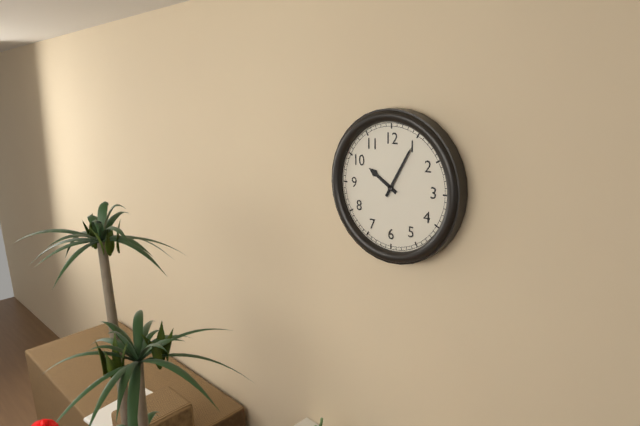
10:05
